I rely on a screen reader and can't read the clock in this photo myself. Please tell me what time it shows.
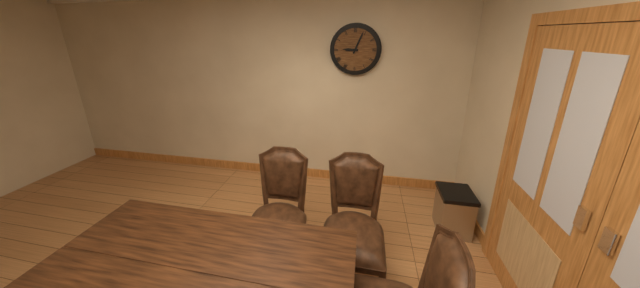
9:04
